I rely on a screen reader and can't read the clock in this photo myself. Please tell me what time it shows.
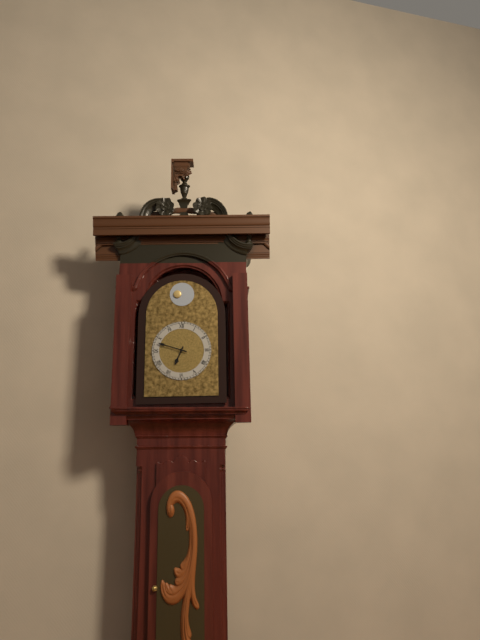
6:48
